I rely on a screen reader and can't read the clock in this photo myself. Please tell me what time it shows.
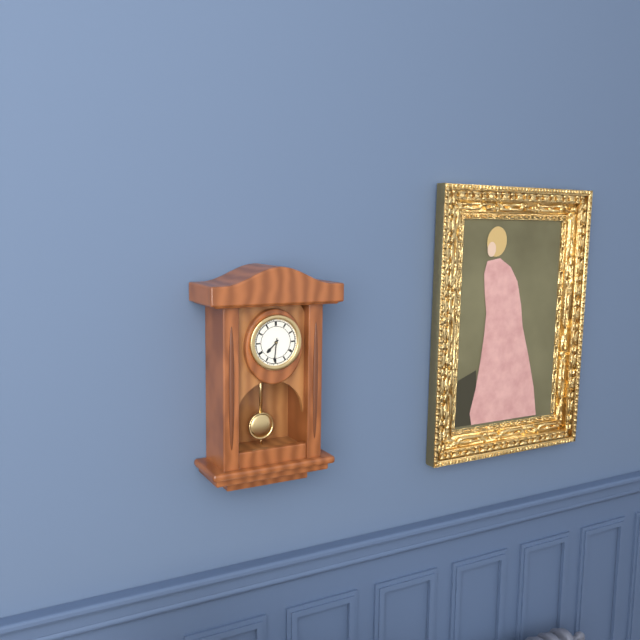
7:31
